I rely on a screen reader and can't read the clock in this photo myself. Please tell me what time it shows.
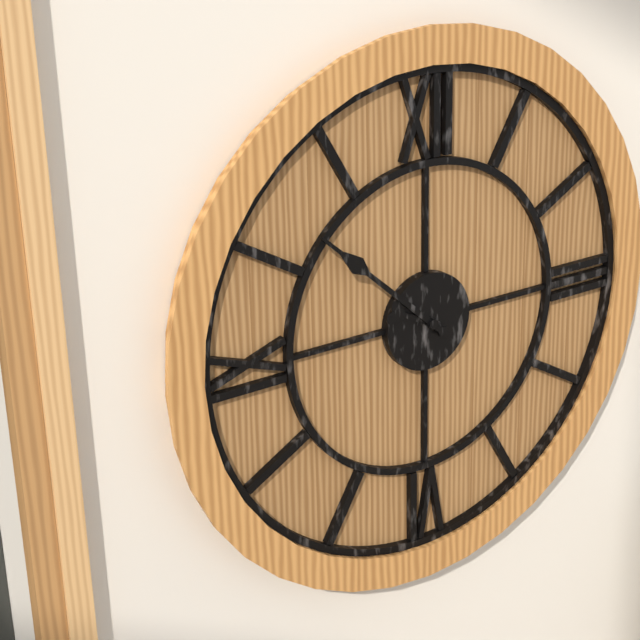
9:52
